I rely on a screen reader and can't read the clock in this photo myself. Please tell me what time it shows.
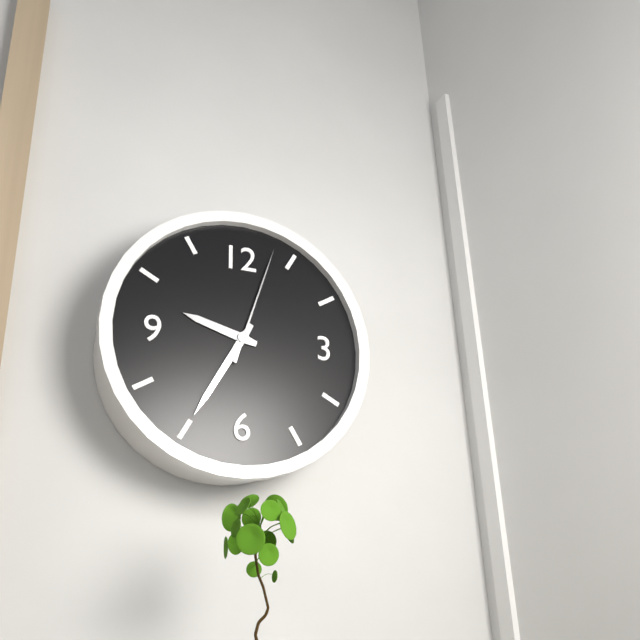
9:35:03
